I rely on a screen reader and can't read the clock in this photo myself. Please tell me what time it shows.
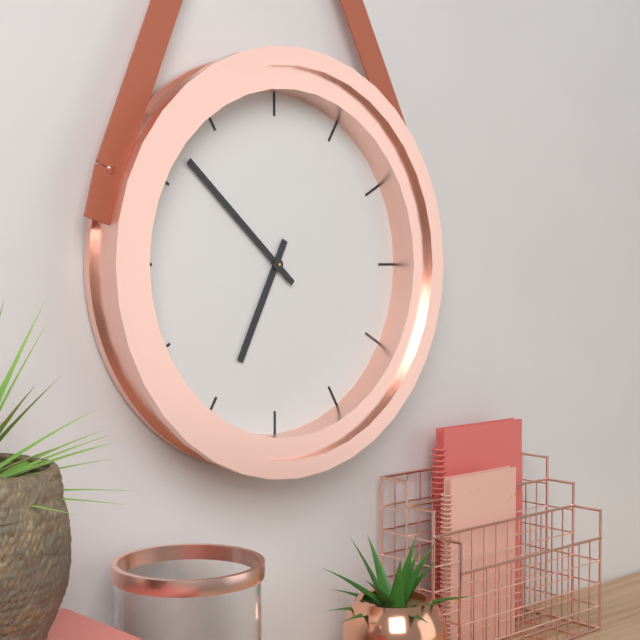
6:52
